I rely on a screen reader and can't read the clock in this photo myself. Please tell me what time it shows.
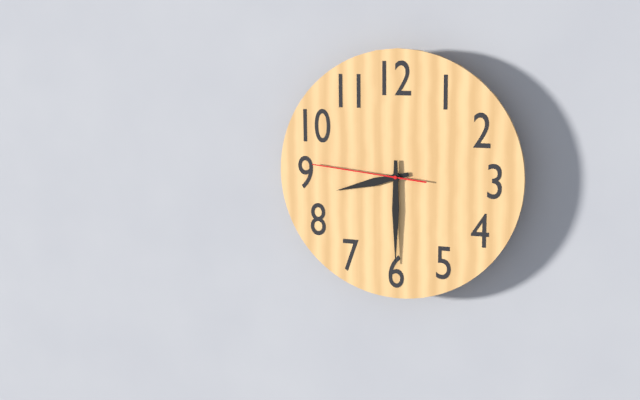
8:30:46
